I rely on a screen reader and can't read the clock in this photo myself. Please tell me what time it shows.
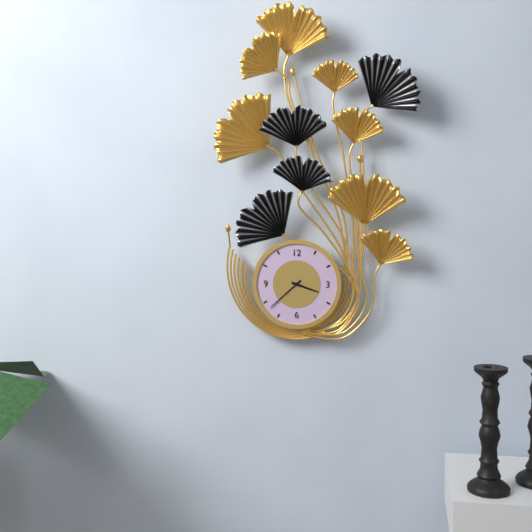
3:38
